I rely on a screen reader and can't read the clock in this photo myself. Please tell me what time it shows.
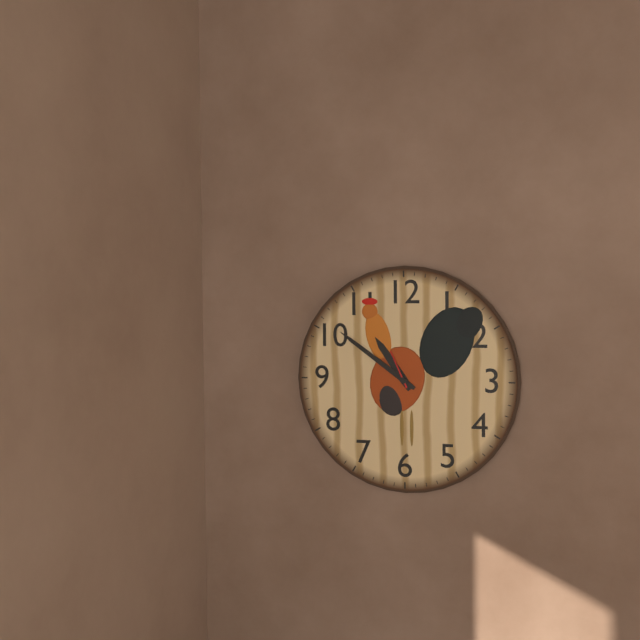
10:51
